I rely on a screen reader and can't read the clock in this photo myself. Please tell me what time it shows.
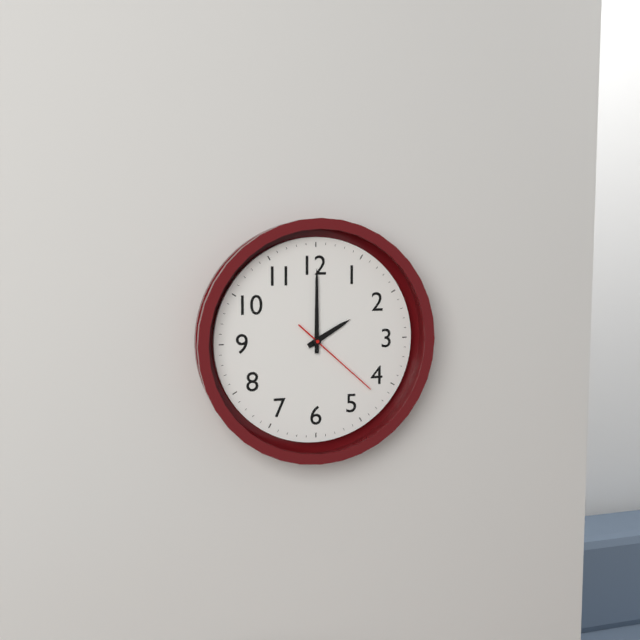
2:00:22
